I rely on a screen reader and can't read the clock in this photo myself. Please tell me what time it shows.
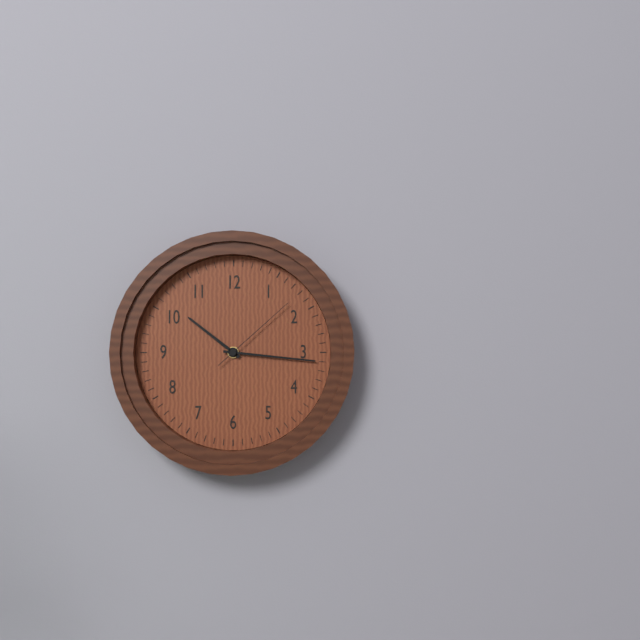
10:16:08
